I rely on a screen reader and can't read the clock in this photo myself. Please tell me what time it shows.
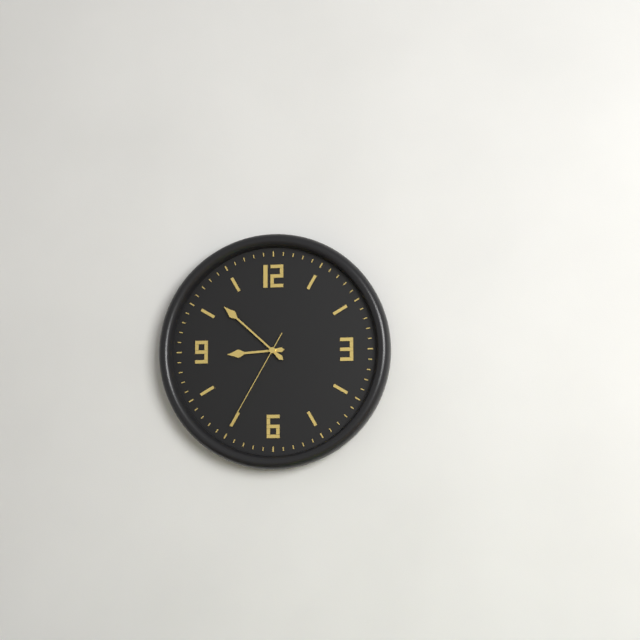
8:52:35
